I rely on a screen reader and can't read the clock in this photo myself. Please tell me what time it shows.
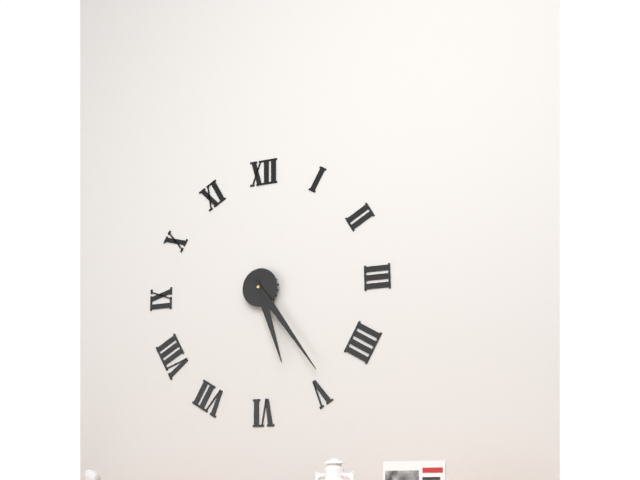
5:24
